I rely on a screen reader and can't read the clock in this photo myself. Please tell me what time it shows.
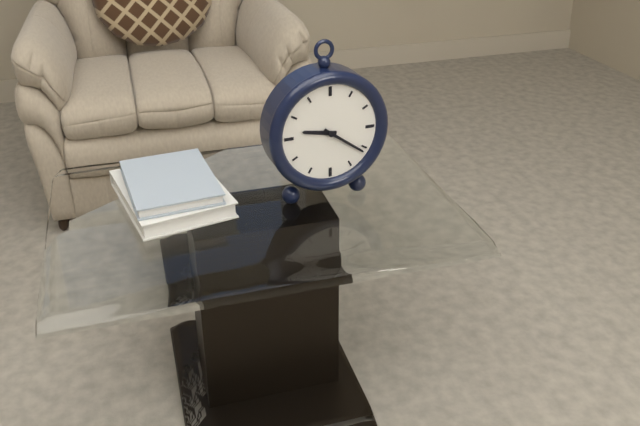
9:21
